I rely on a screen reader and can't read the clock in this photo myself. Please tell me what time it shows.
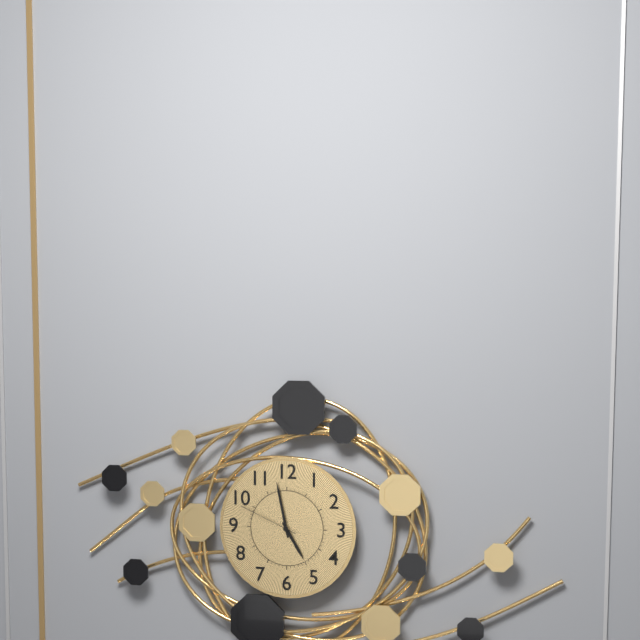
4:58:49
